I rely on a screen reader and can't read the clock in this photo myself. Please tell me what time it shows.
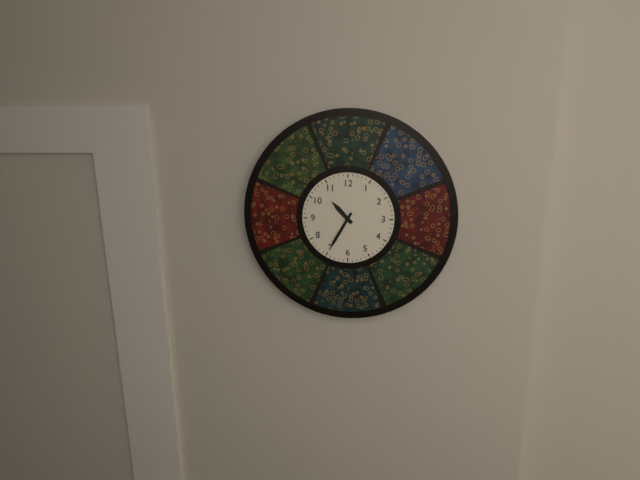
10:35
